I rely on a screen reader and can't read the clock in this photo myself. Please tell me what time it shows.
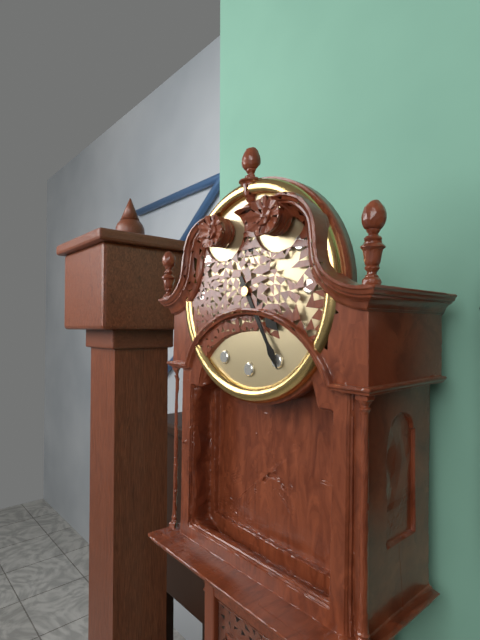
4:25
